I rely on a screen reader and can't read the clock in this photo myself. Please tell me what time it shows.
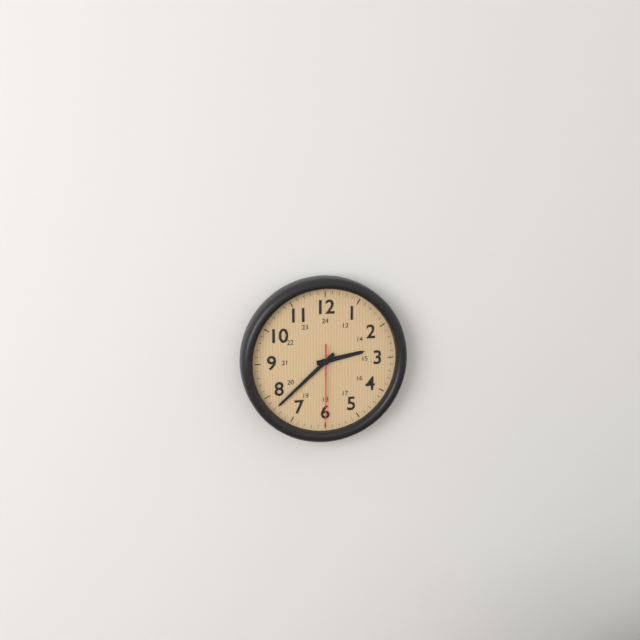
2:38:30
